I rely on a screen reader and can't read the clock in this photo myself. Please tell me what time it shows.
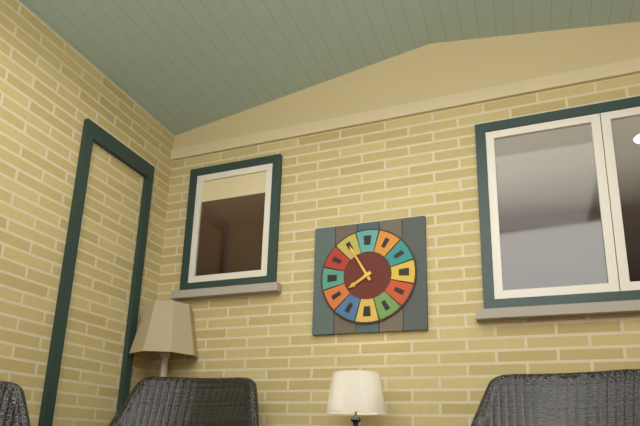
7:55
